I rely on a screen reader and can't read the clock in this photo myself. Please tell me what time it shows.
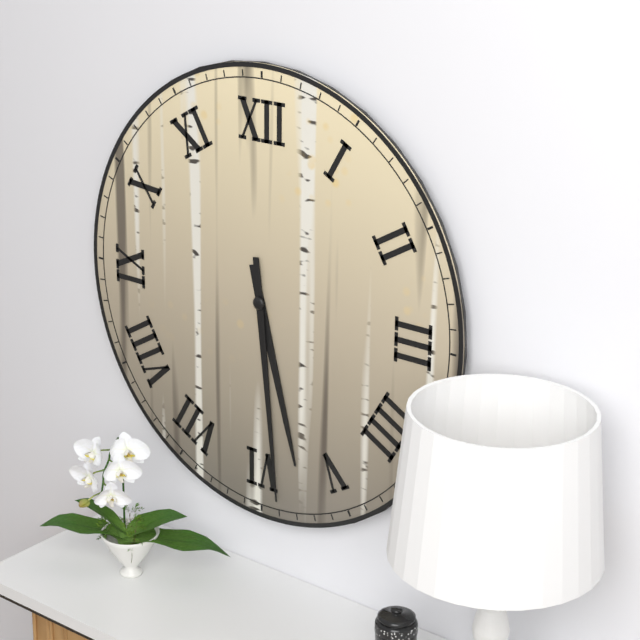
5:29
